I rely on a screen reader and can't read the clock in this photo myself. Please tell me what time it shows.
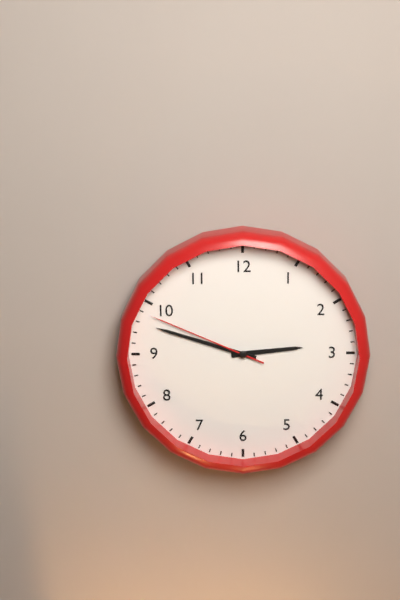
2:48:49
